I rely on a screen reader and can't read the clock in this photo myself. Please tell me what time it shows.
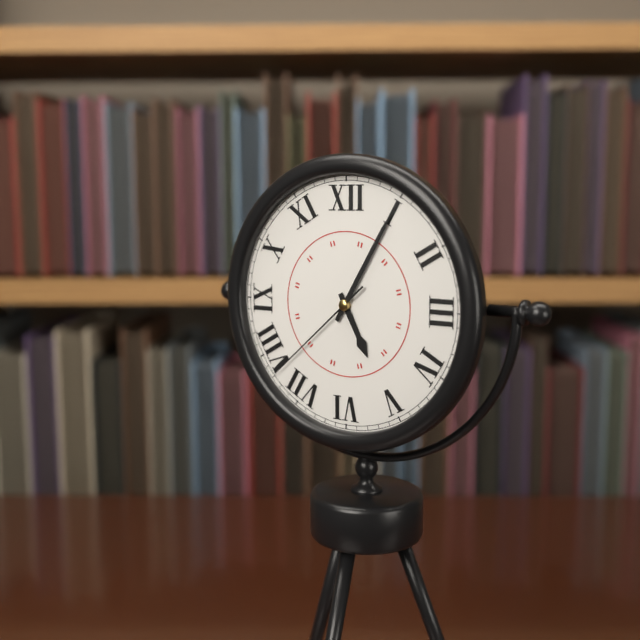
5:05:38
